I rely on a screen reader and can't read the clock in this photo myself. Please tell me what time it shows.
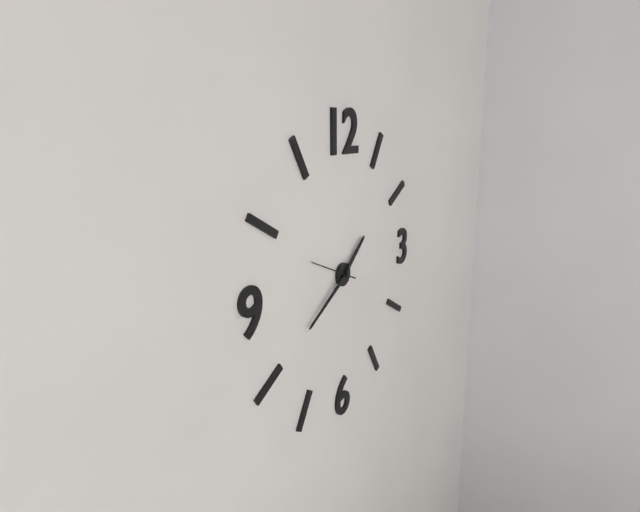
1:40
